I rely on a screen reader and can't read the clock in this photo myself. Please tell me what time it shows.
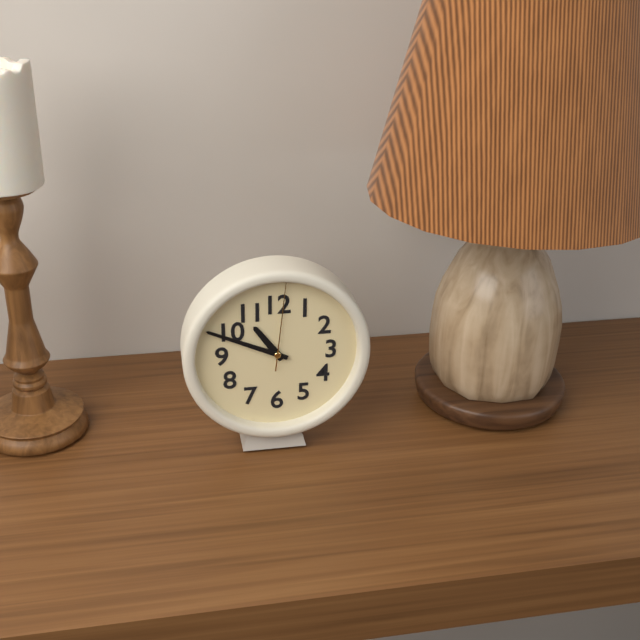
10:49:01
